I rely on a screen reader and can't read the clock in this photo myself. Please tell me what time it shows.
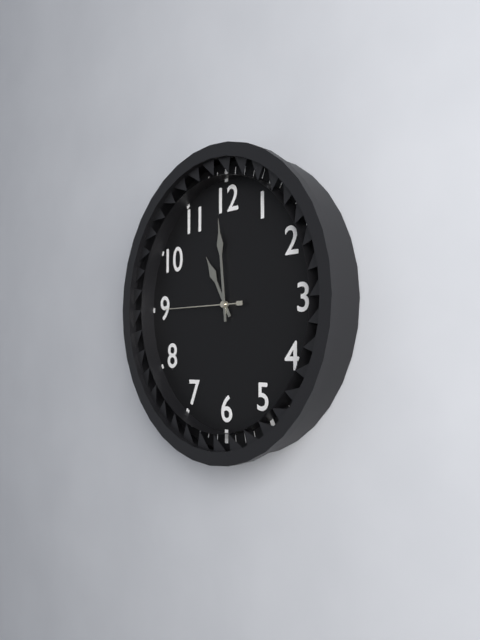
10:59:45
